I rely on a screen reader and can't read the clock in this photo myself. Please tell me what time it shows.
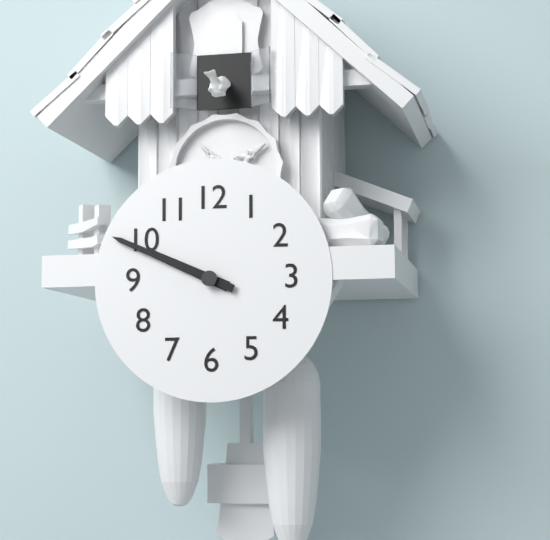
9:49
